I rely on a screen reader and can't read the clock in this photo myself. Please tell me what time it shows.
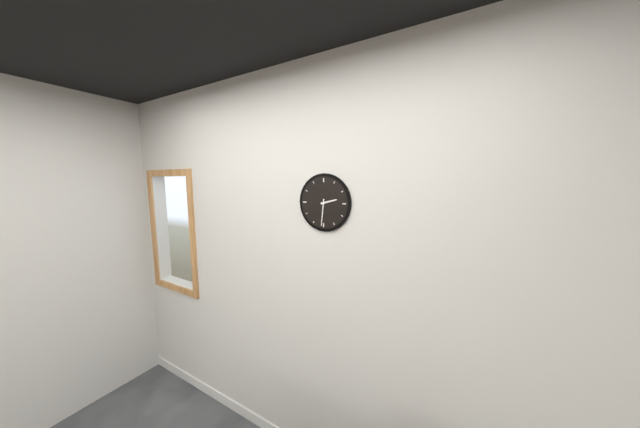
2:31
